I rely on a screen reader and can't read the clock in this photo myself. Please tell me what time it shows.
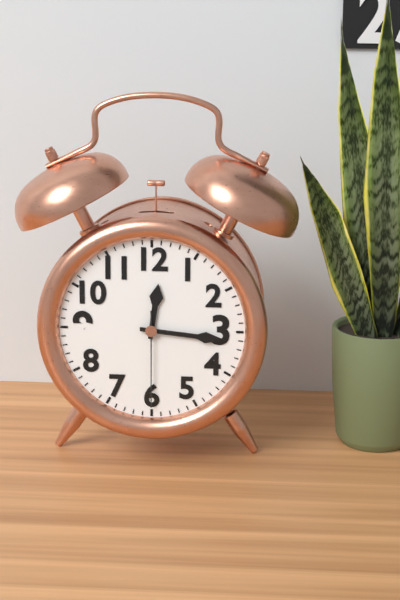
12:16:30
